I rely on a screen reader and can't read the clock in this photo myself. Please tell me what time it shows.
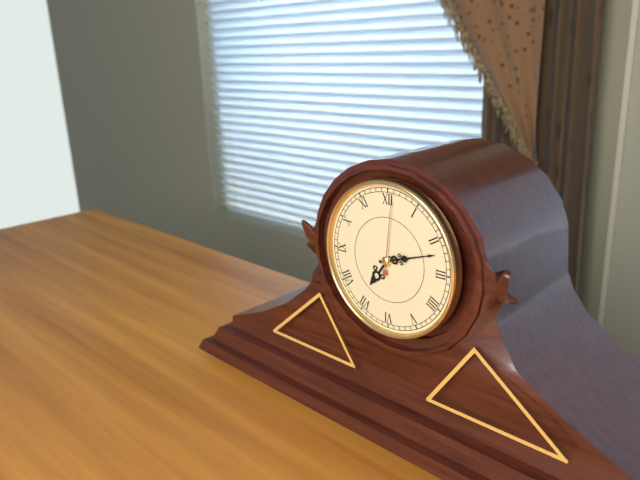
7:12:01
